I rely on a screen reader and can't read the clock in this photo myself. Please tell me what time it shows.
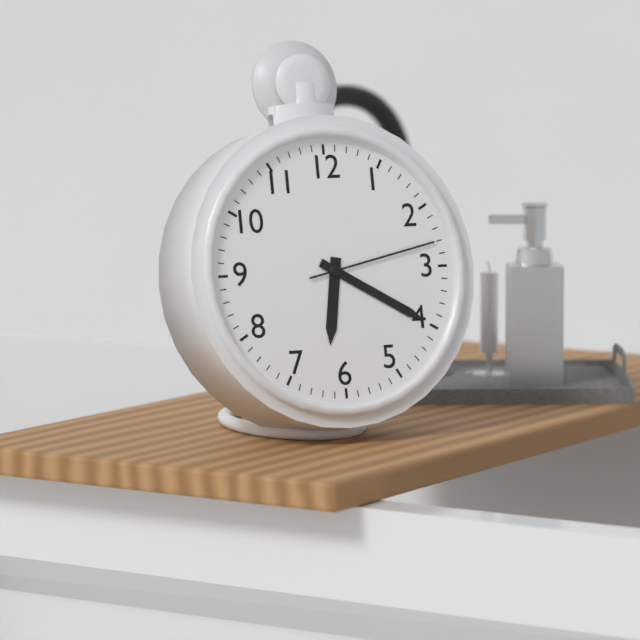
6:20:13
